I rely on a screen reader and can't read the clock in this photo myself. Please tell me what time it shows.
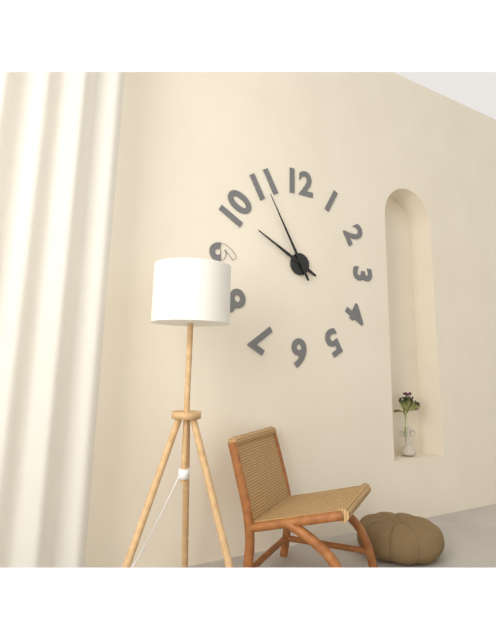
9:55
